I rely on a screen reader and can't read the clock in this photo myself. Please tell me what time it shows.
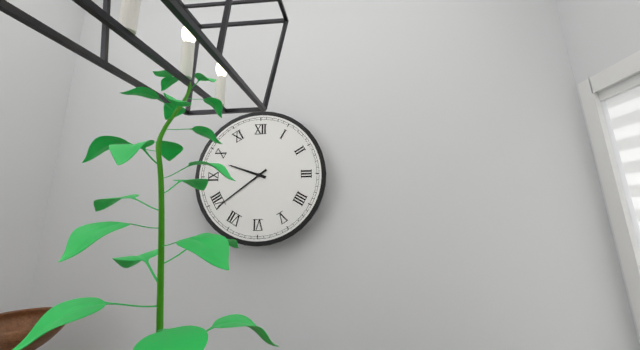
9:39
